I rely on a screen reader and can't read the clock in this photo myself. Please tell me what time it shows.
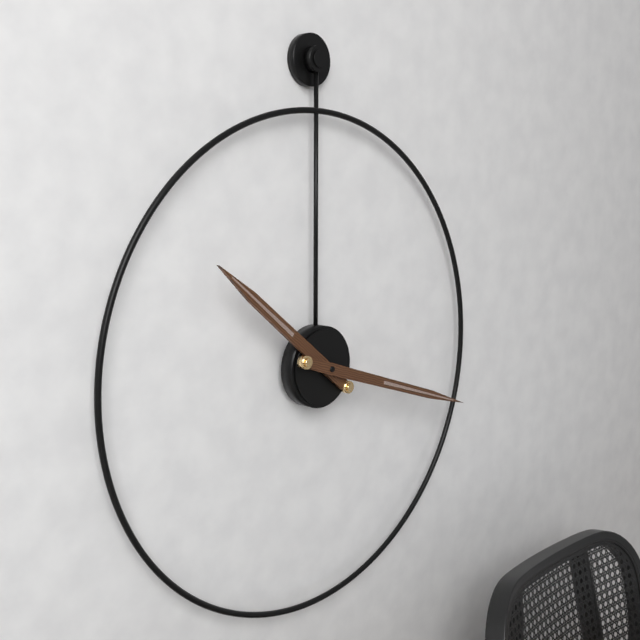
10:18
